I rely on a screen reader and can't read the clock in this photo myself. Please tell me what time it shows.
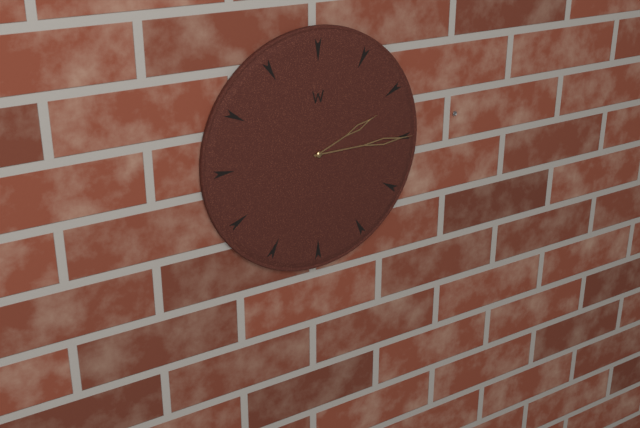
2:15
